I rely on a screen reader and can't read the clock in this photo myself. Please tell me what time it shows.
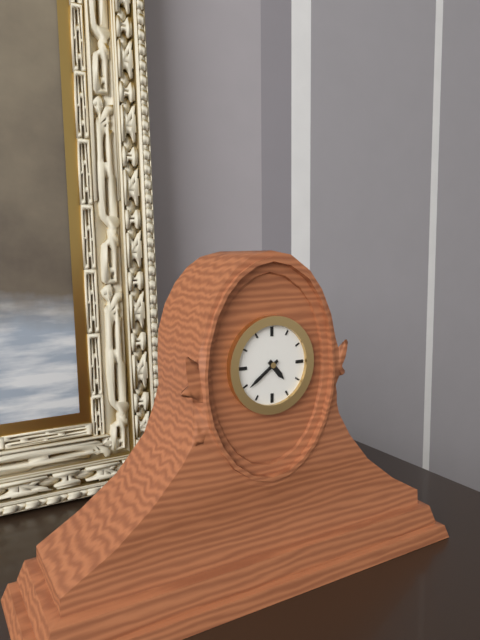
4:39
